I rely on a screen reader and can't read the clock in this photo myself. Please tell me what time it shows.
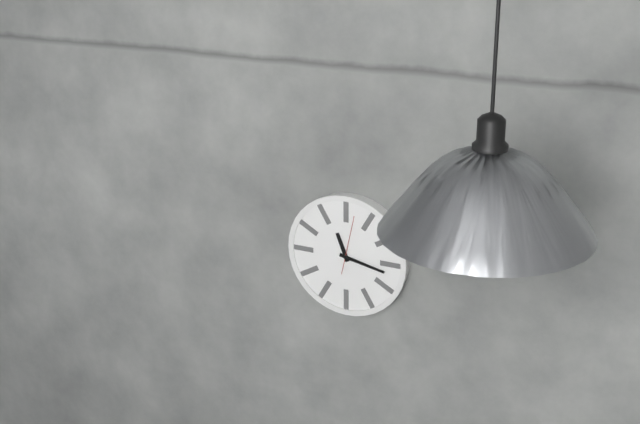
11:17:02
